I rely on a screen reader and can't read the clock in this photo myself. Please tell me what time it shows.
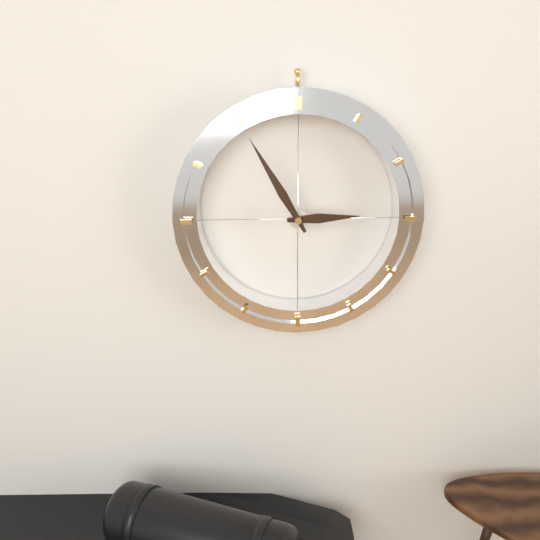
2:55
